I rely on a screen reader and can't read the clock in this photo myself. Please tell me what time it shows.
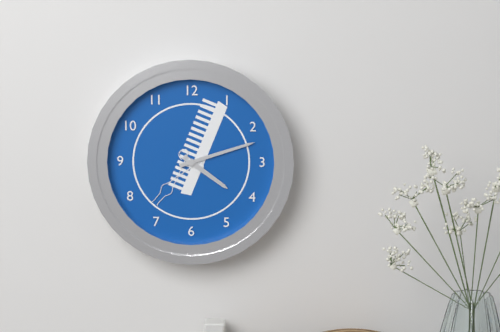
4:12
